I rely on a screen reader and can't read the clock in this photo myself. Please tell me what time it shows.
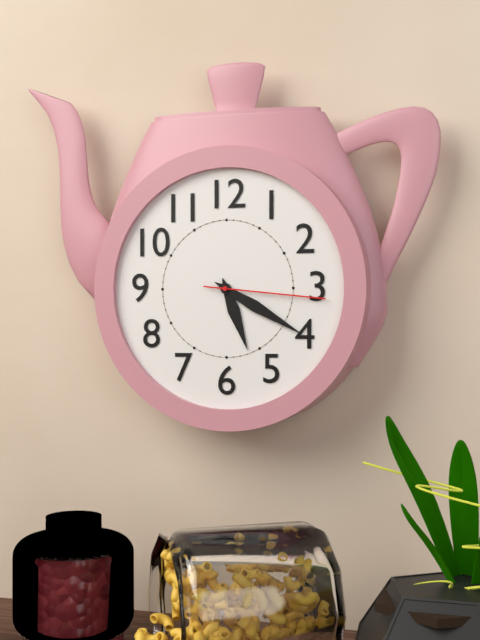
5:20:16
